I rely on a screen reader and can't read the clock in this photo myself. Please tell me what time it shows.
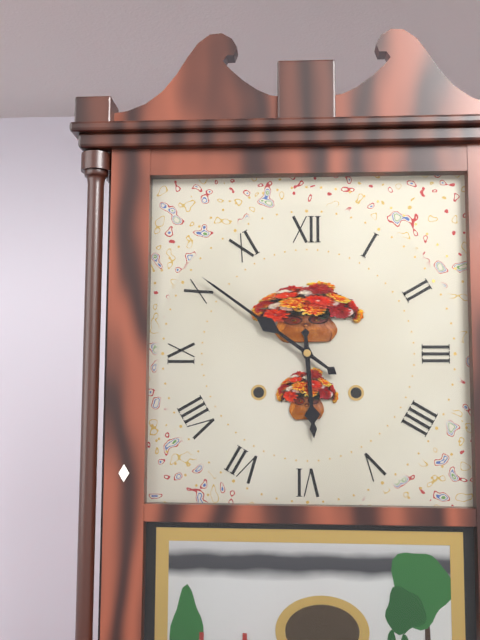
5:51
